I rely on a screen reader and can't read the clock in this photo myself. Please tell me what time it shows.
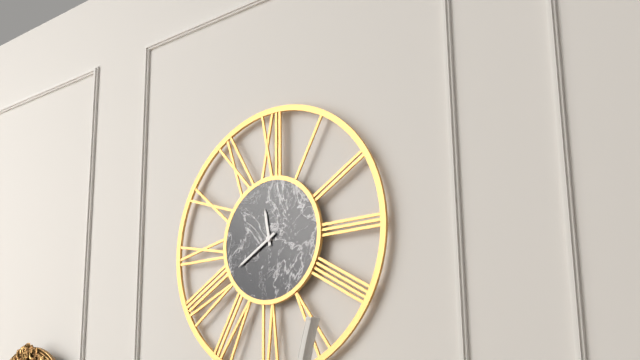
11:40
